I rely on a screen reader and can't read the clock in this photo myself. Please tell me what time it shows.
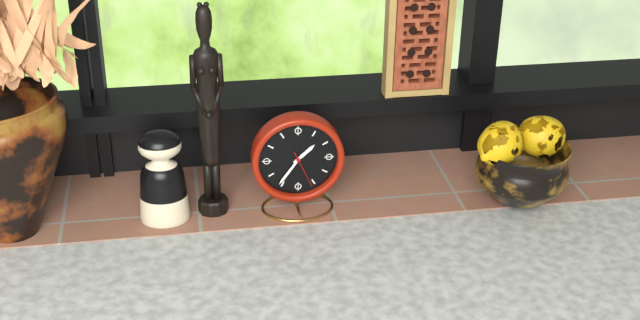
1:36
